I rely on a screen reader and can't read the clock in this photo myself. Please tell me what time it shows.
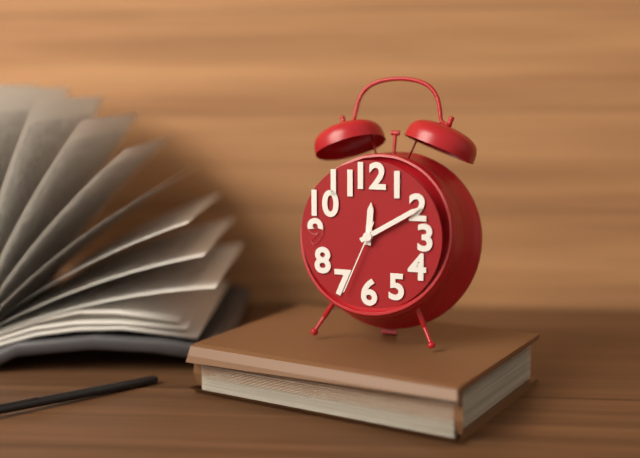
12:10:34
